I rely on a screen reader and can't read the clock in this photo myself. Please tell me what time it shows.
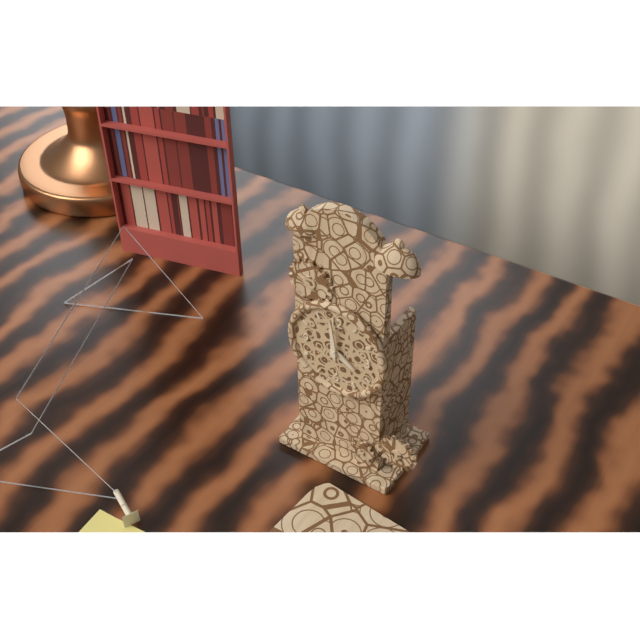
3:59
